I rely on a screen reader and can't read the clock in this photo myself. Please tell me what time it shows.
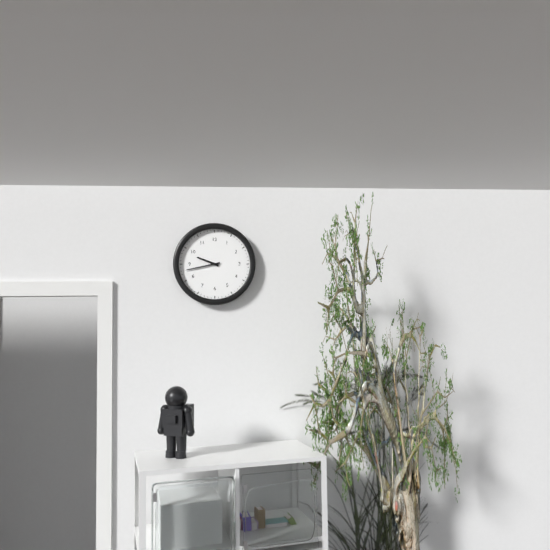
9:43
